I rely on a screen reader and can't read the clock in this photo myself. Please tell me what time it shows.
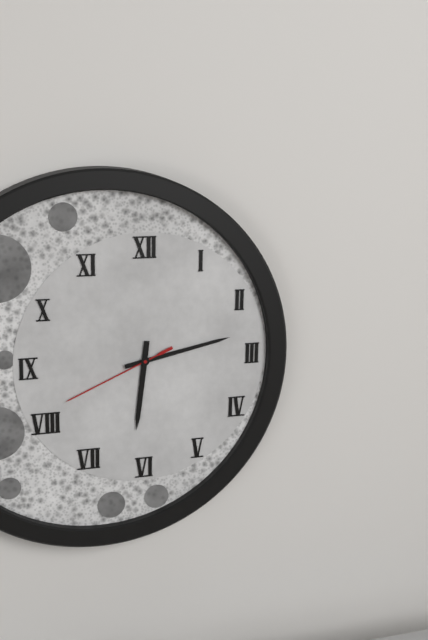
6:13:41
